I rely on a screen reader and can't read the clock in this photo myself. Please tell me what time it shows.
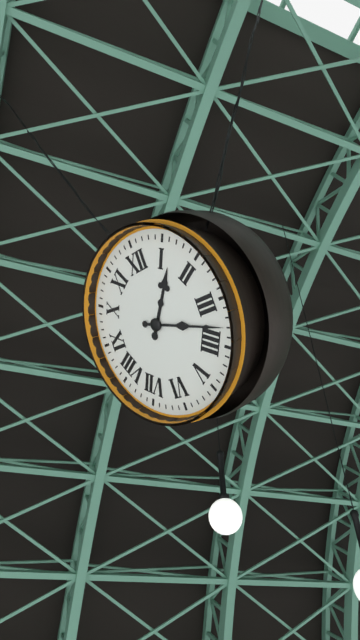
1:18
